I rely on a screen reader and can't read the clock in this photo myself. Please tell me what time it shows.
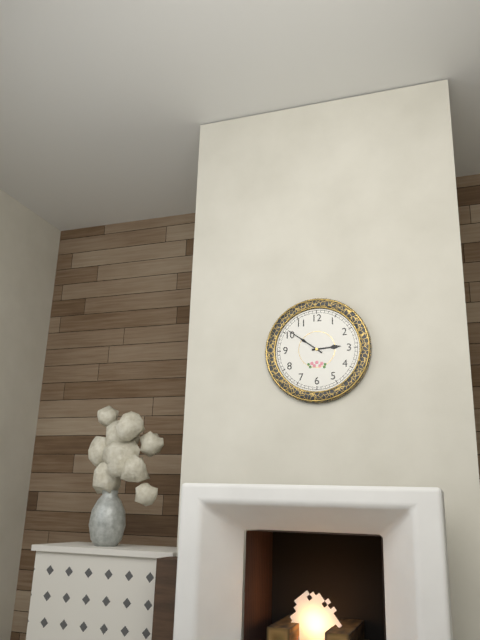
2:51
